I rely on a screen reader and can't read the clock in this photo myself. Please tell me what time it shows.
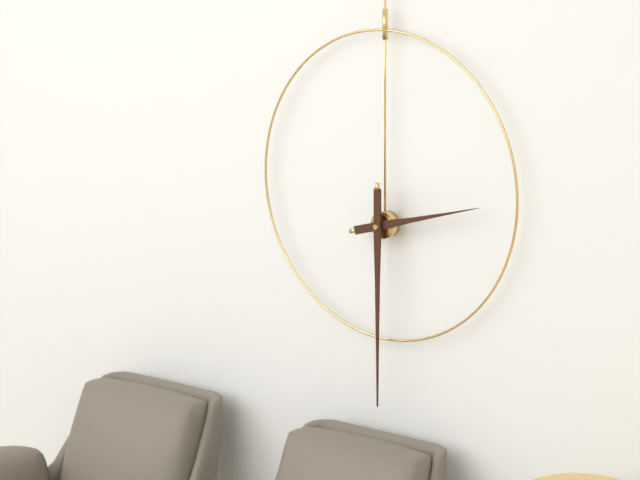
2:30
